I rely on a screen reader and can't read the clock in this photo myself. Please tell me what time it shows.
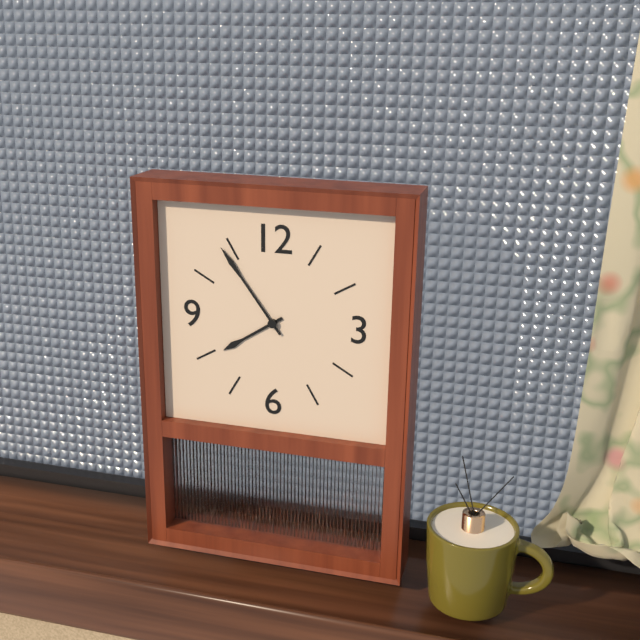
7:54
